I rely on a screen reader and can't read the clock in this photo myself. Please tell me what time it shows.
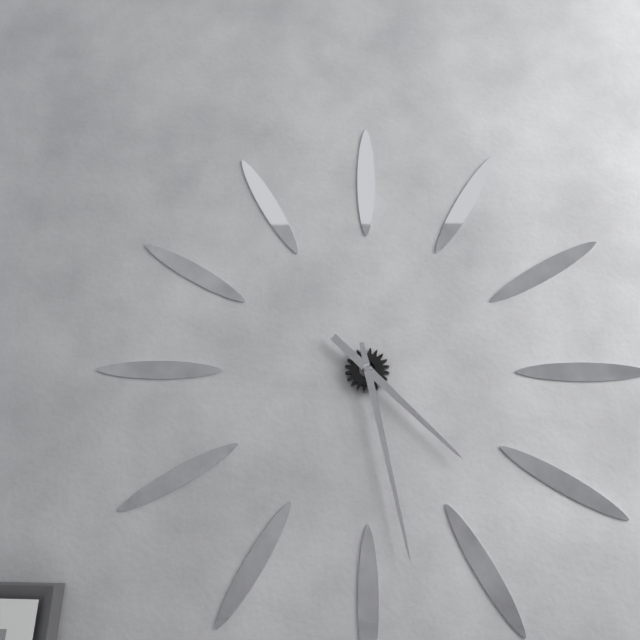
4:28
